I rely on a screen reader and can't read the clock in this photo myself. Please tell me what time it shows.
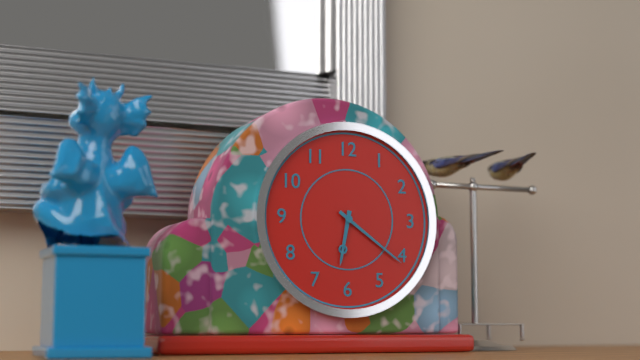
6:21
